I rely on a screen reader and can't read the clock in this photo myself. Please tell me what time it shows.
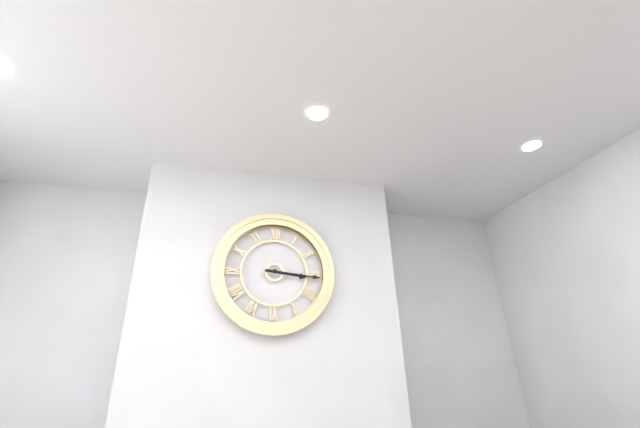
3:16
